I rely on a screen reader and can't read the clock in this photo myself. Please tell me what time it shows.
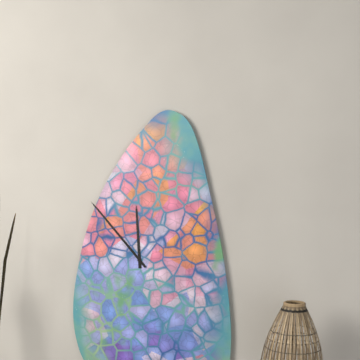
11:53
